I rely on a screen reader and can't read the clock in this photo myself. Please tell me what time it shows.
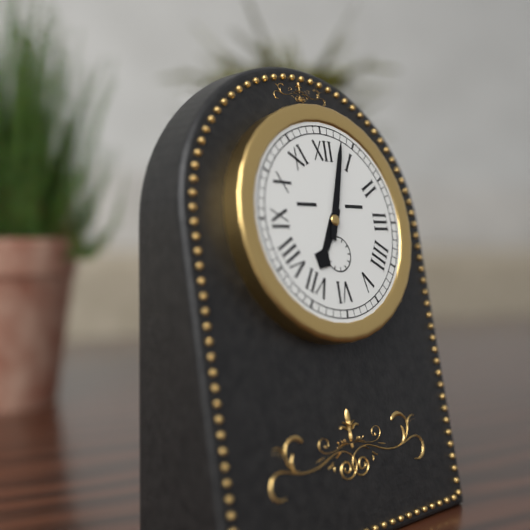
7:03
